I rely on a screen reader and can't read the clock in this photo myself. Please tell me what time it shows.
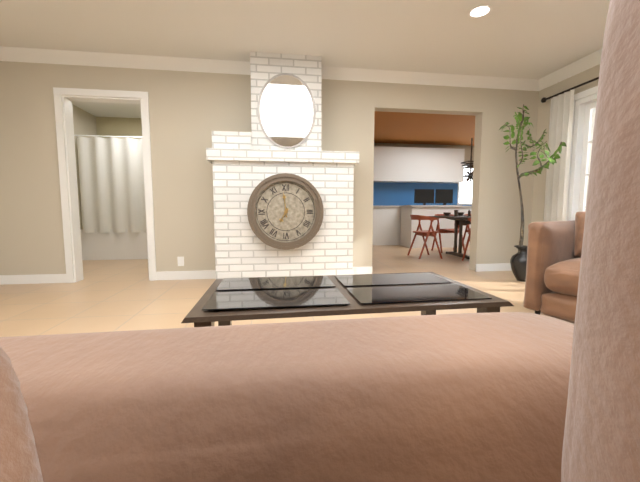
6:59
